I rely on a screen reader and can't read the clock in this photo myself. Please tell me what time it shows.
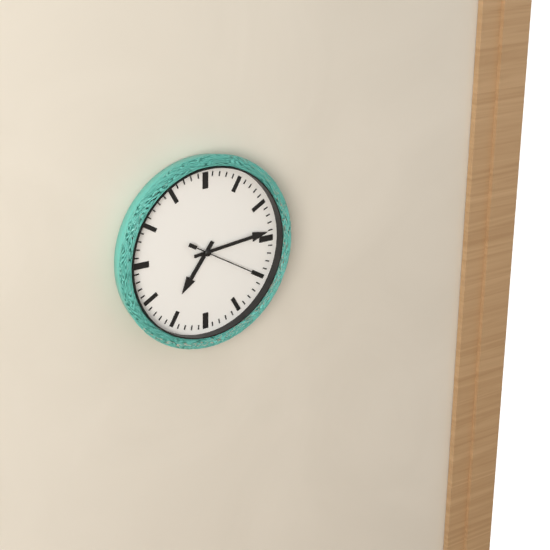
7:14:20
